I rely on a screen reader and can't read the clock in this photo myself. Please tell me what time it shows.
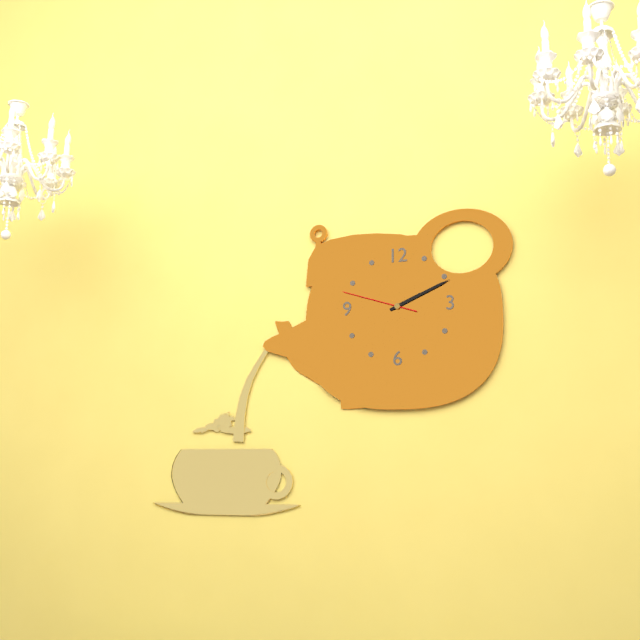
2:11:48
